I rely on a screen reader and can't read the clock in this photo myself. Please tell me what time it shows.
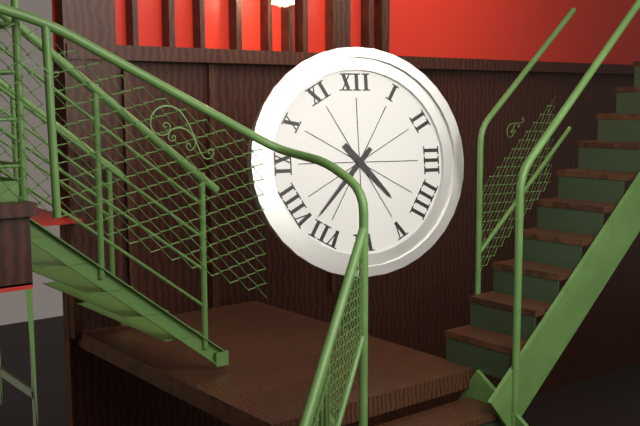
4:37
